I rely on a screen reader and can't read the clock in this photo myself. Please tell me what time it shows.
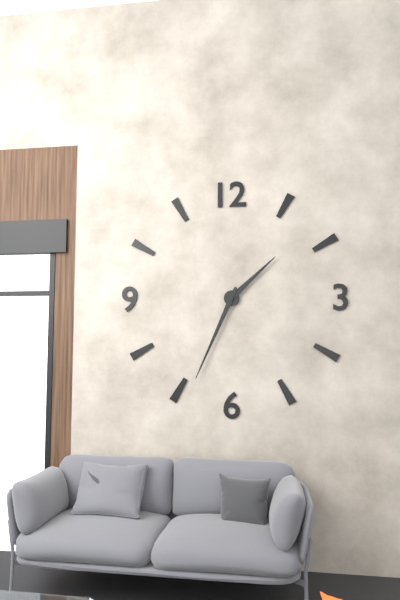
1:34
